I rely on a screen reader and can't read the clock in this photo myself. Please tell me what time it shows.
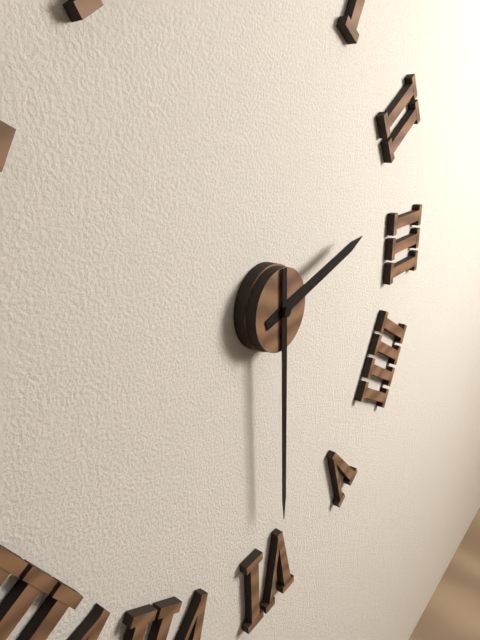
2:30
